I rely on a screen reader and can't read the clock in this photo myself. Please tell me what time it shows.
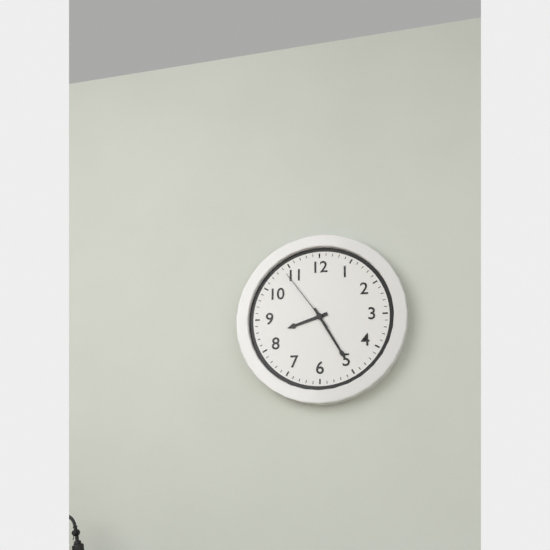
8:25:54
